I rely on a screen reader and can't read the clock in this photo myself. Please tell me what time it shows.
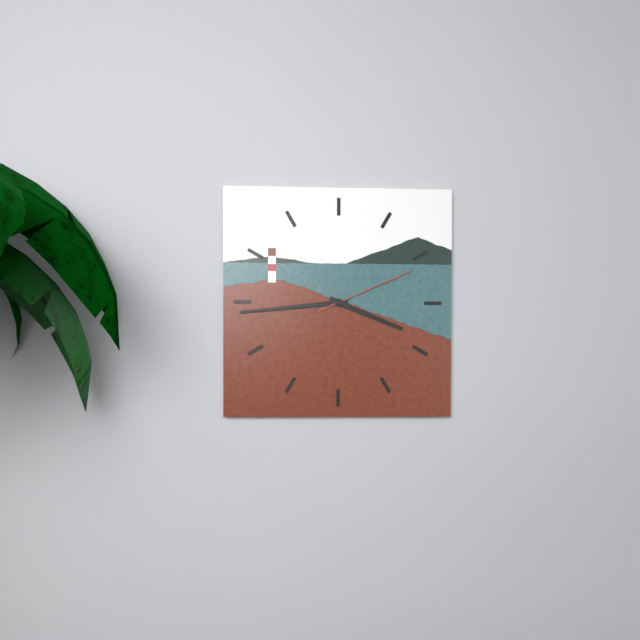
3:44:11
